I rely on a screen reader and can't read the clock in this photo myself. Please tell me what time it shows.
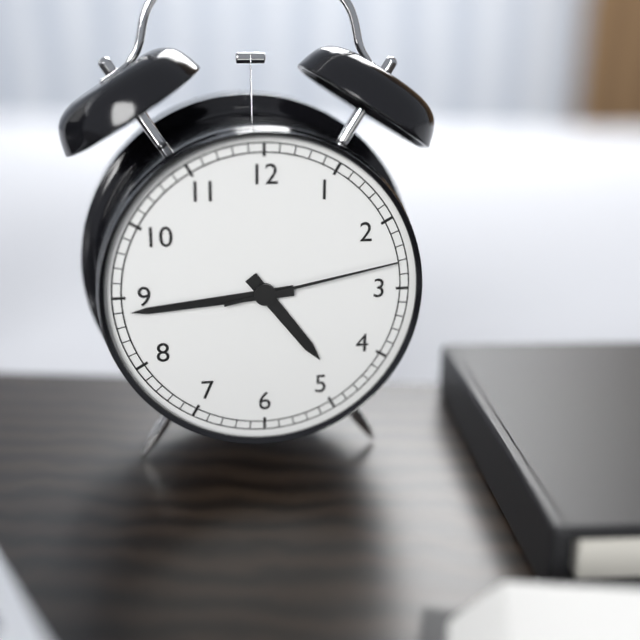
4:44:13
